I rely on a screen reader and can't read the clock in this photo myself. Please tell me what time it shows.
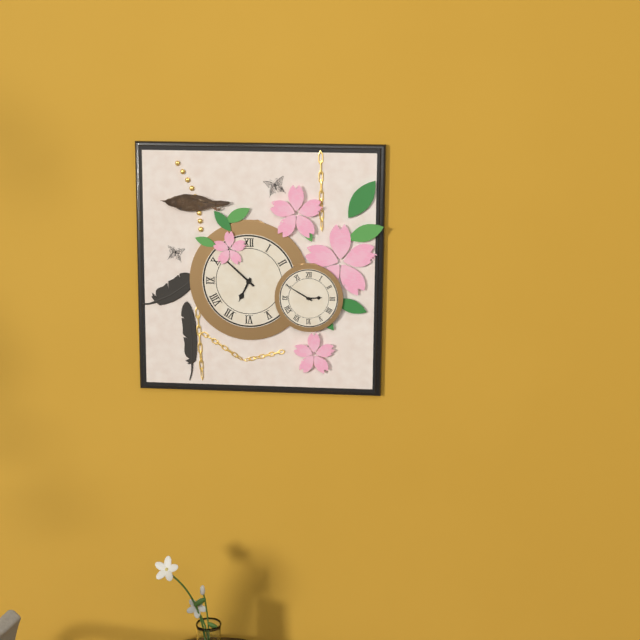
6:52
